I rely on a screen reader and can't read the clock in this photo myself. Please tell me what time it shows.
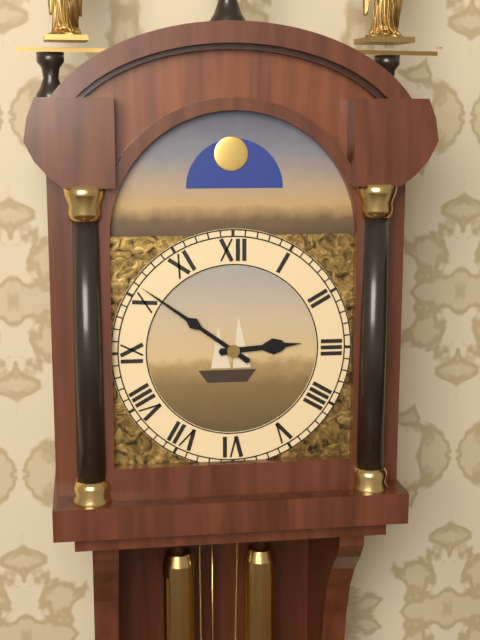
2:51
